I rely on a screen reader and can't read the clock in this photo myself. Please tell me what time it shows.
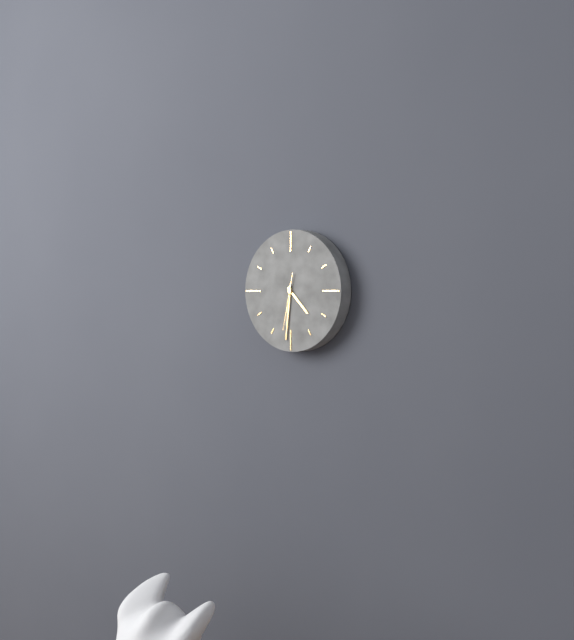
4:31:32
